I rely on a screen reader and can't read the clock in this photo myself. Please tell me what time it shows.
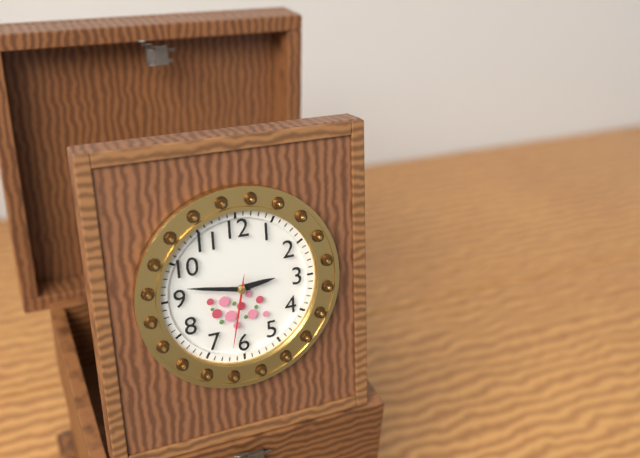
2:47:32
